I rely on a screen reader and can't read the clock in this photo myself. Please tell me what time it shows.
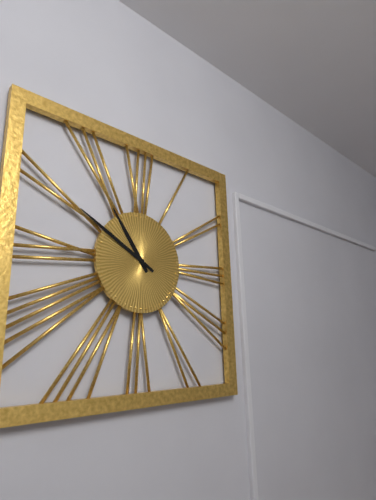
10:50
